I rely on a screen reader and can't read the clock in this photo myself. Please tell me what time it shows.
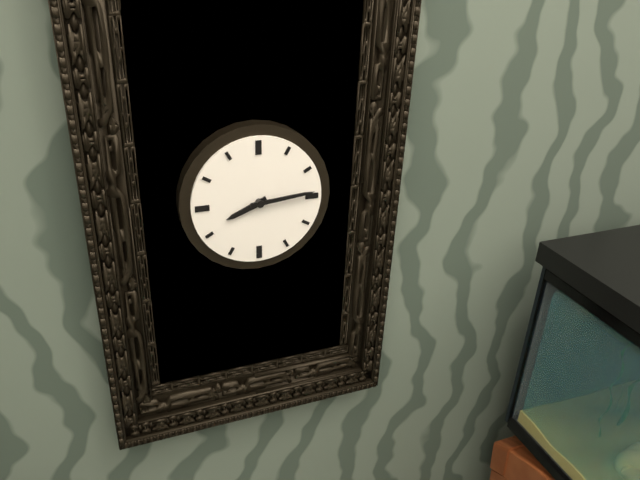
8:14
